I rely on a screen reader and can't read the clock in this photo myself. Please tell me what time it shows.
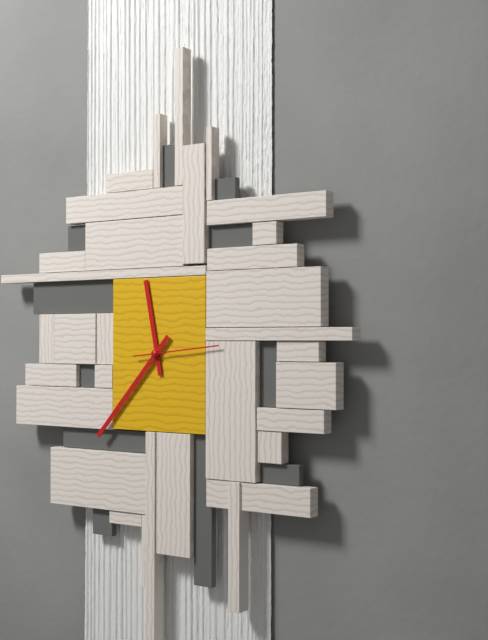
11:37:14
